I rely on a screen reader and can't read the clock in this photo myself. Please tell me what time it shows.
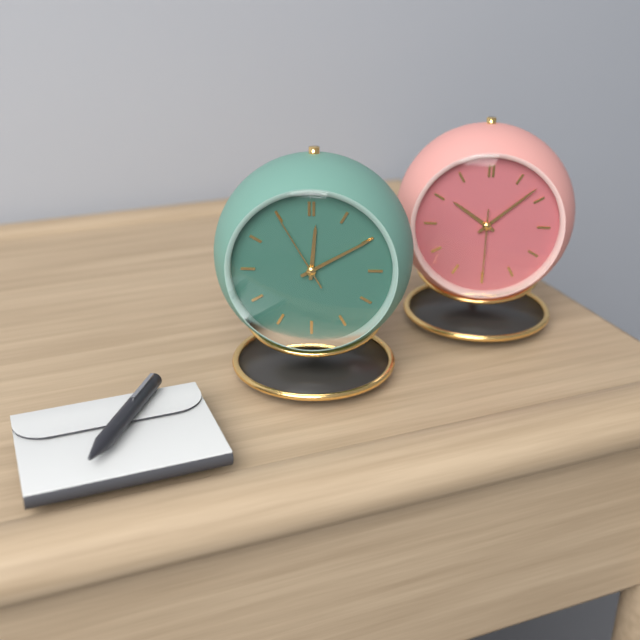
12:10:55
